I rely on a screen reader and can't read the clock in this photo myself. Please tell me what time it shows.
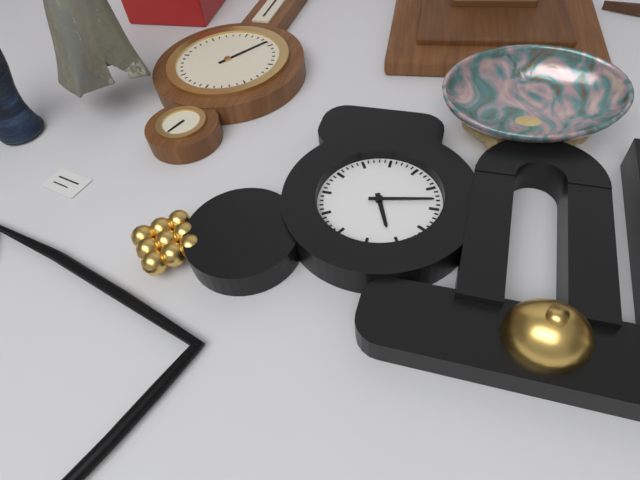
5:13
